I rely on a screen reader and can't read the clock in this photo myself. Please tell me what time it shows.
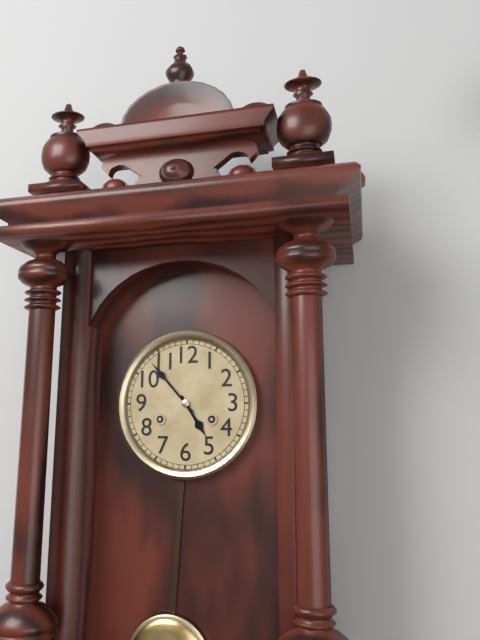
4:53
